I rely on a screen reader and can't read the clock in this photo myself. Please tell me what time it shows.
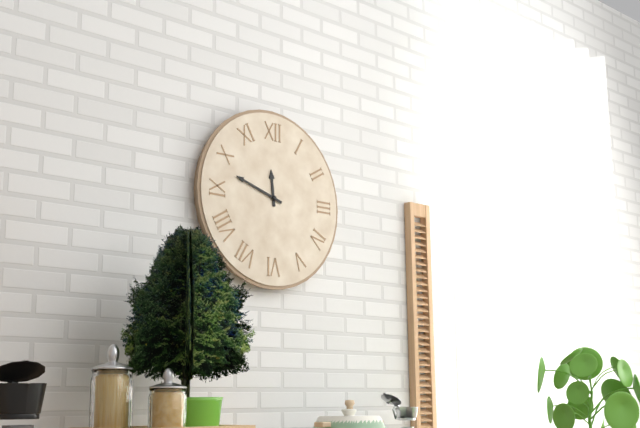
11:48
